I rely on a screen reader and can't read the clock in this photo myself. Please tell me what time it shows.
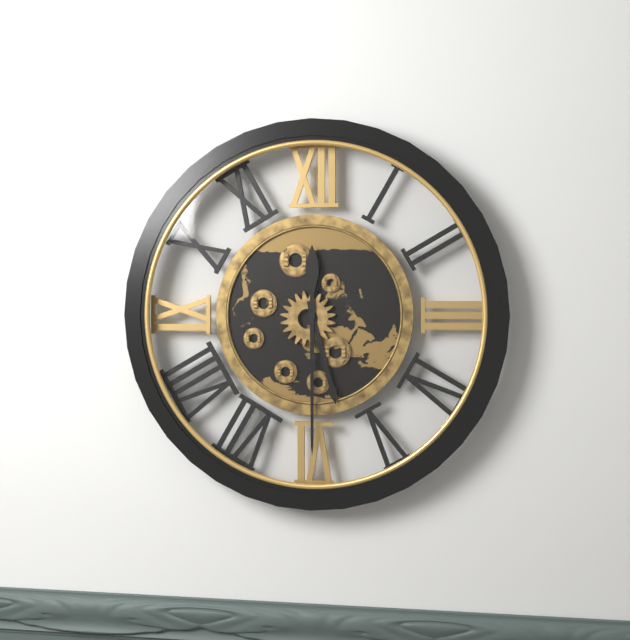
5:30
